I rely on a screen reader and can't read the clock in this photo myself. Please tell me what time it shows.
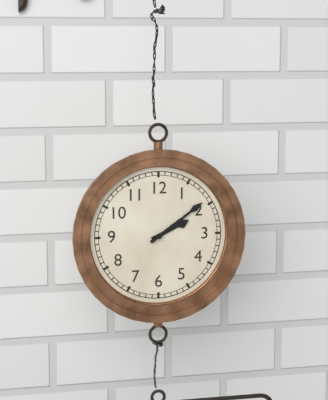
2:09
